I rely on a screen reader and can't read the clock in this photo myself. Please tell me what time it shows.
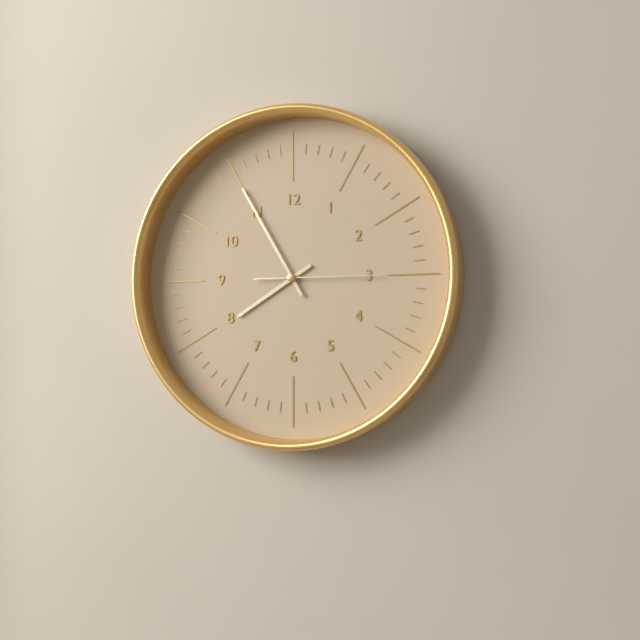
7:55:15
